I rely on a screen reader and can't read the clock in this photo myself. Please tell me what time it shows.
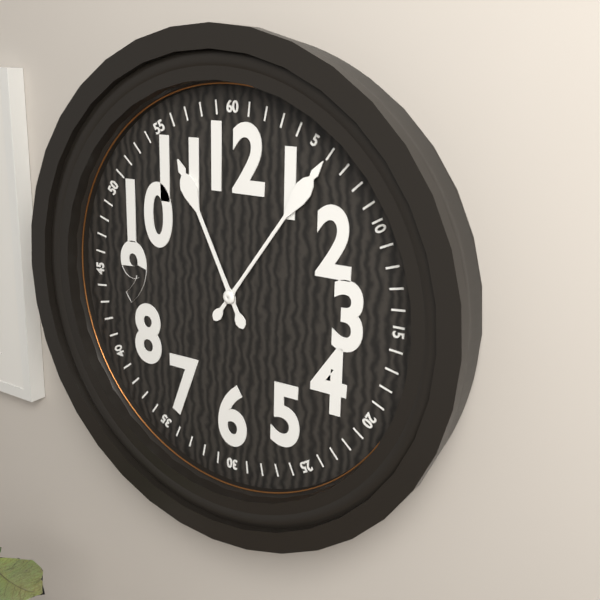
11:06
